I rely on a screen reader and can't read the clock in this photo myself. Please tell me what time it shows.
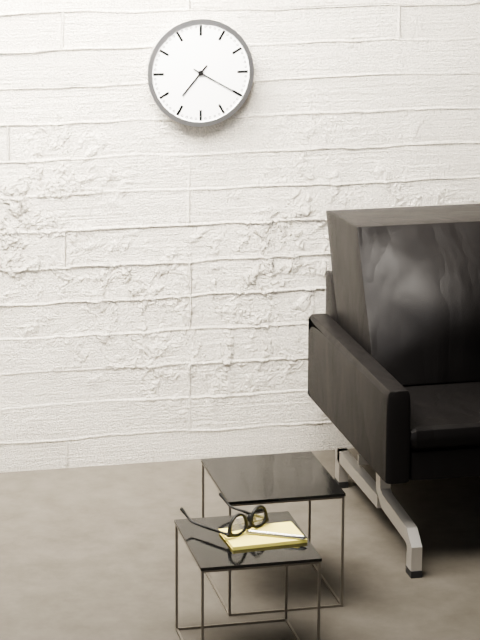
7:20
